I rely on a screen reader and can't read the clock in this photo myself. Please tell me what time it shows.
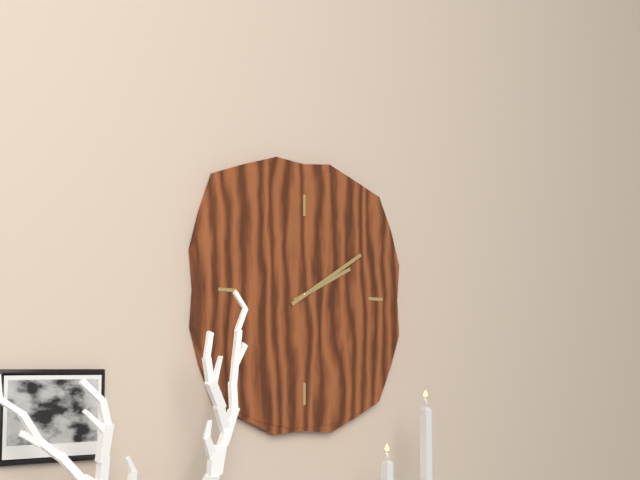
2:10
